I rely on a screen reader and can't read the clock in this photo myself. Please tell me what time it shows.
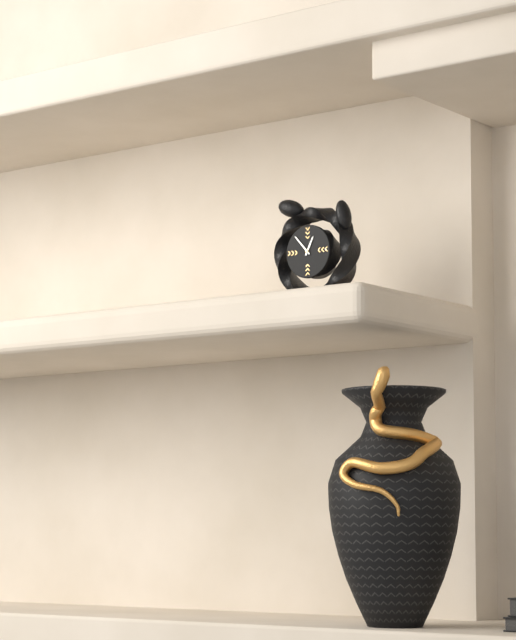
12:53
